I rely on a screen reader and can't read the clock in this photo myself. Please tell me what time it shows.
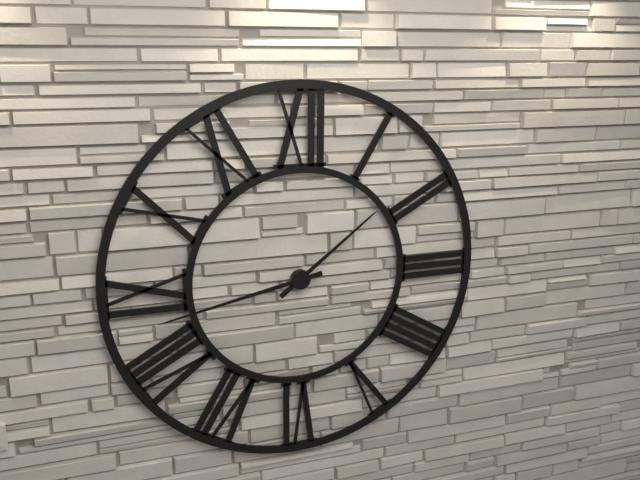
1:43
